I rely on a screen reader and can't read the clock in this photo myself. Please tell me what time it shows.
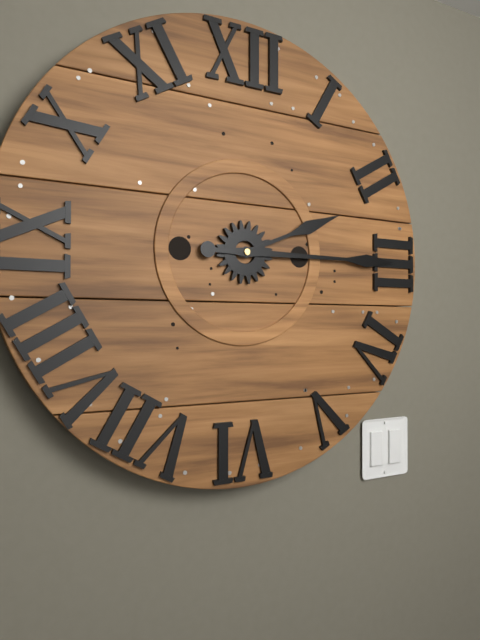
2:15
